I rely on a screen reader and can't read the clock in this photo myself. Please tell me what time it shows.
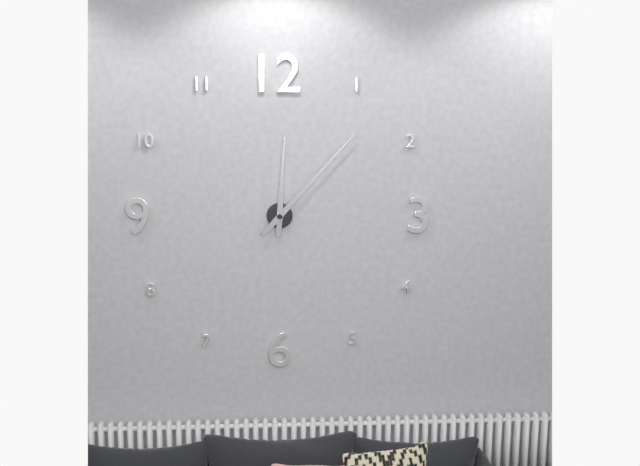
12:07
